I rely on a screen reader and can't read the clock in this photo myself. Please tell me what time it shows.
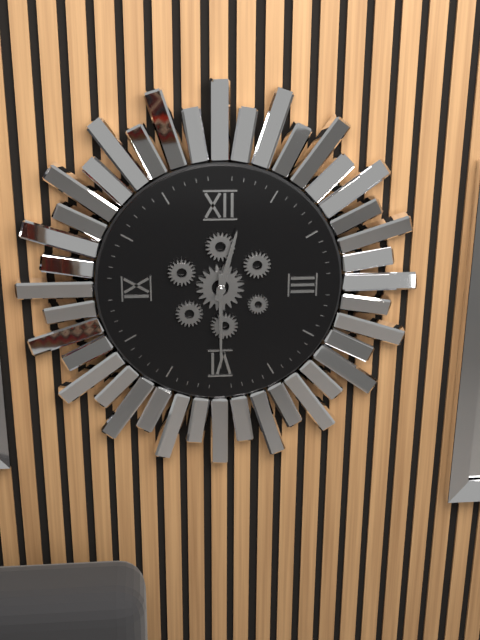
12:30
